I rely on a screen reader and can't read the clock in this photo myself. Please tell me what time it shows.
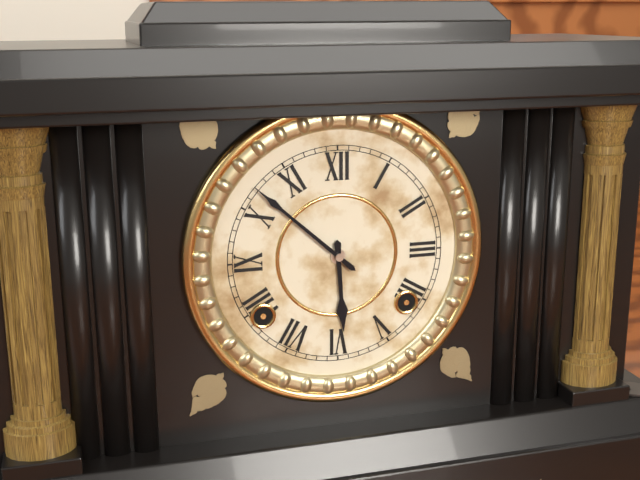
5:52
